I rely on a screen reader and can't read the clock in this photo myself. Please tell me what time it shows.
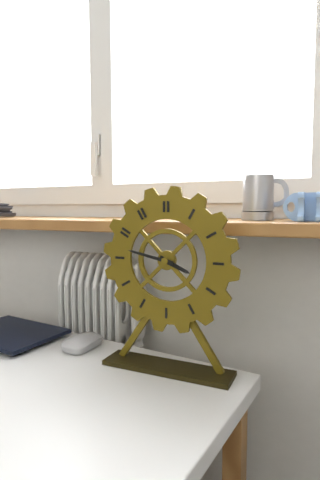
3:47
